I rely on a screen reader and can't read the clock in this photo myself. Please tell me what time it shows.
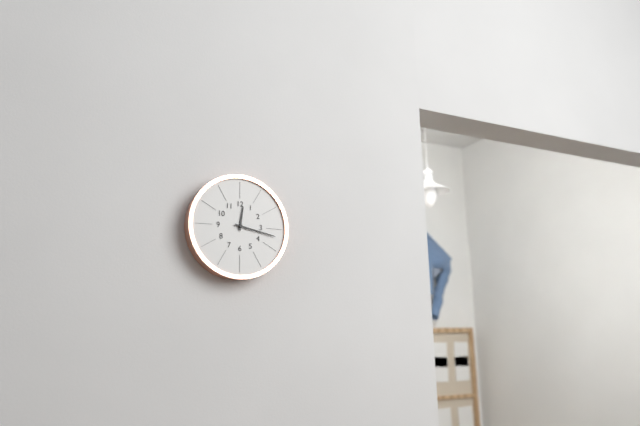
12:17
